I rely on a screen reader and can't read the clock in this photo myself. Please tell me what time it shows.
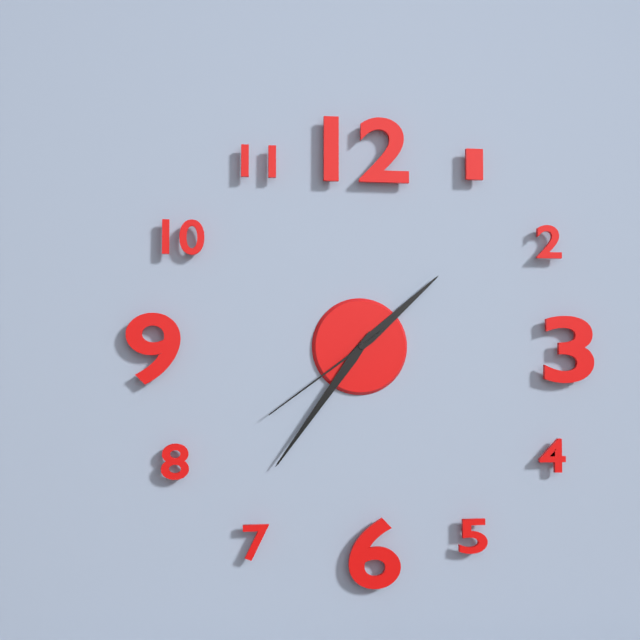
1:36:39
